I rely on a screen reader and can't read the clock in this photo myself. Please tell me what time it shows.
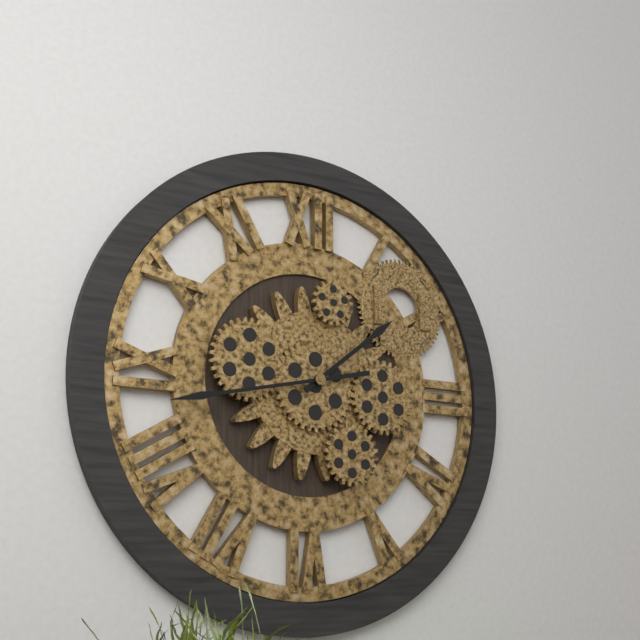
1:43
